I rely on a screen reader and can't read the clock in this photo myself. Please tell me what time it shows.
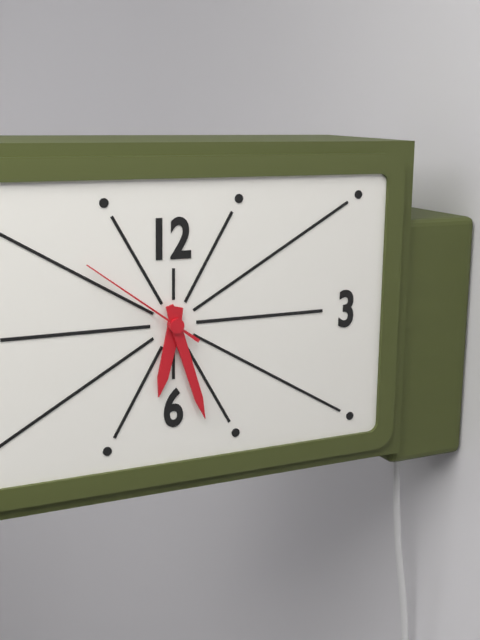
6:27:51
